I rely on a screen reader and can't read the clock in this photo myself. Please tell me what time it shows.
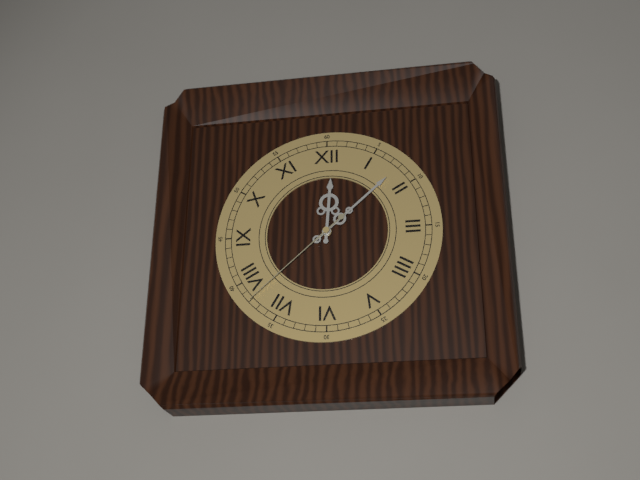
12:08:38
